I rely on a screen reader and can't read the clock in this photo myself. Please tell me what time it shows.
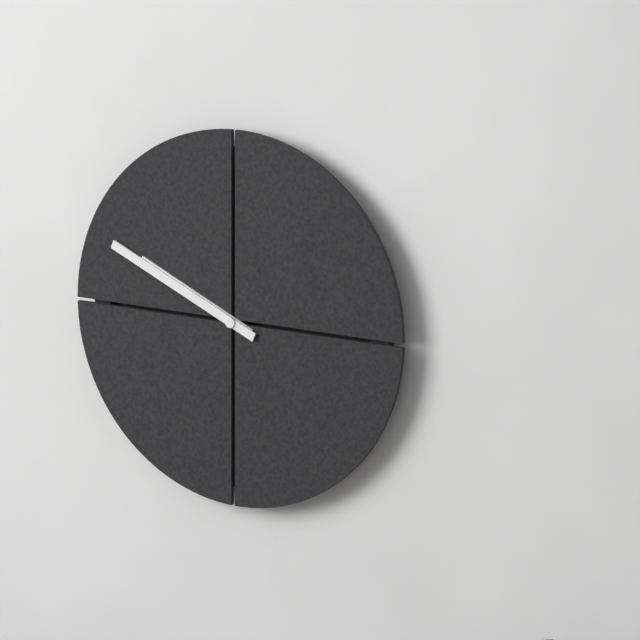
9:49
